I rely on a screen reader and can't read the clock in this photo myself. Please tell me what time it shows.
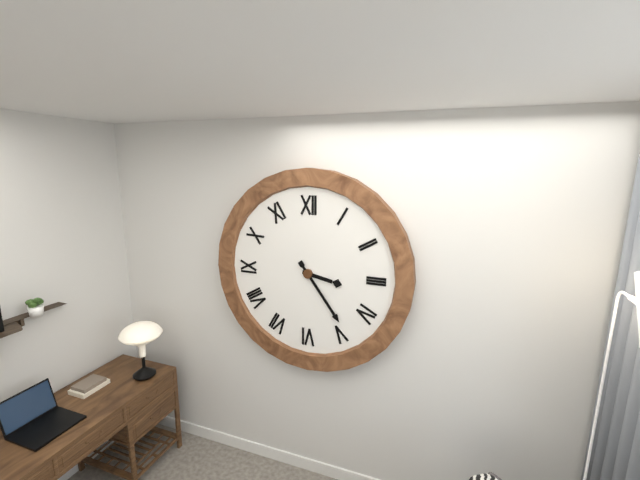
3:24
